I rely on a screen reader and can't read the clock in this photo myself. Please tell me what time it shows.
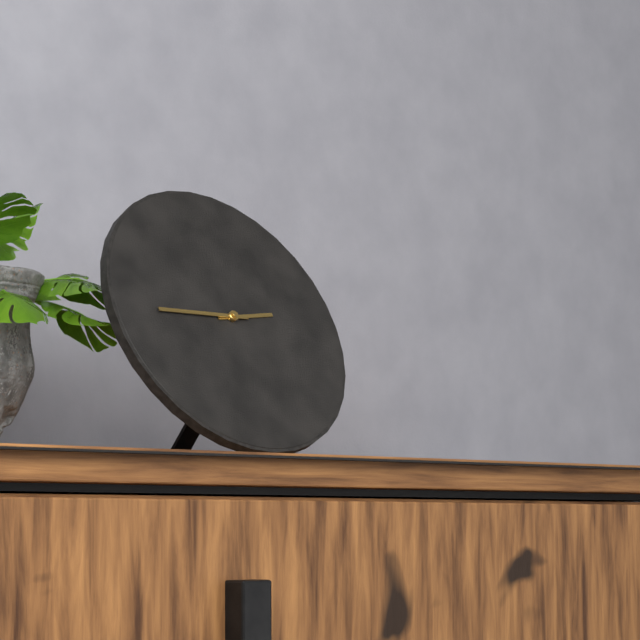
2:45
